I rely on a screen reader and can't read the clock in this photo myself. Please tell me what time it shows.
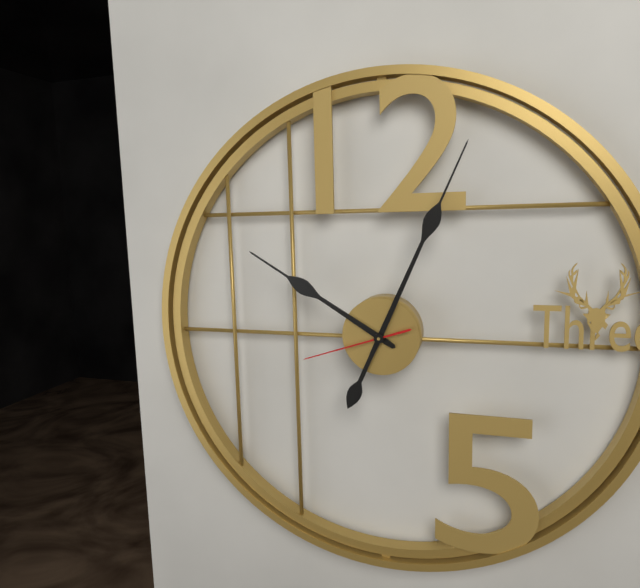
10:04:42
